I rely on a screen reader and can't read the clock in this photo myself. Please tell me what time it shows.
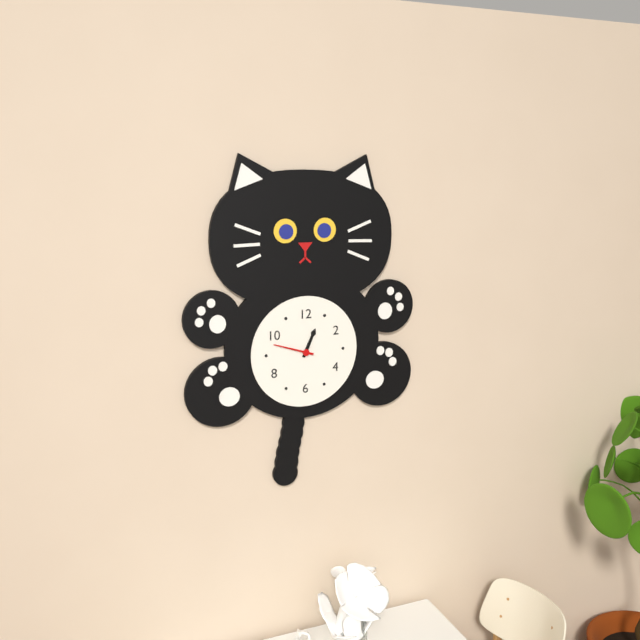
12:48
